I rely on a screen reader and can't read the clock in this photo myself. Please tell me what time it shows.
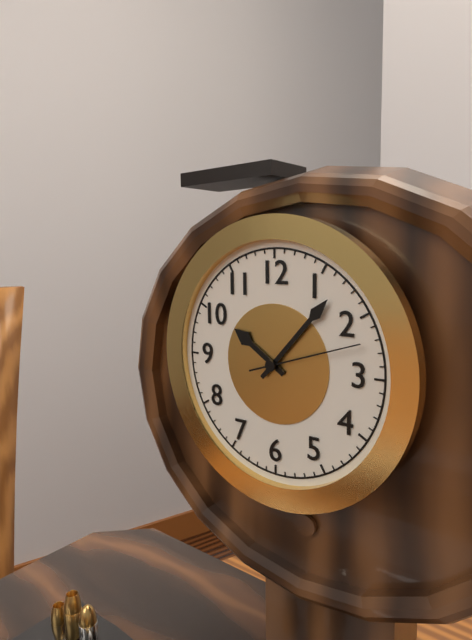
10:07:12
